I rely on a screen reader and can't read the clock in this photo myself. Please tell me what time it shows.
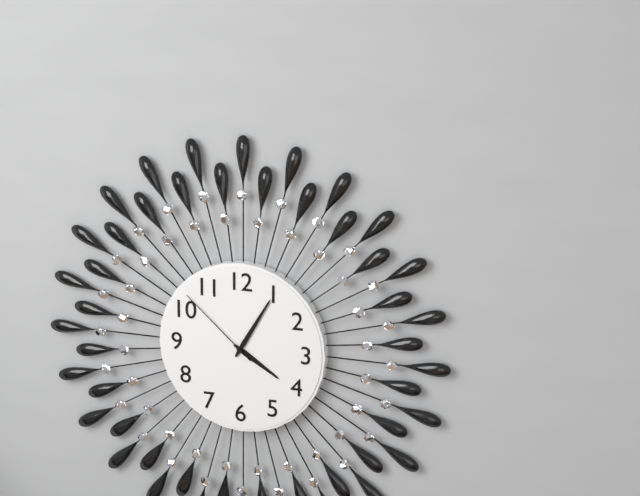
4:05:52
